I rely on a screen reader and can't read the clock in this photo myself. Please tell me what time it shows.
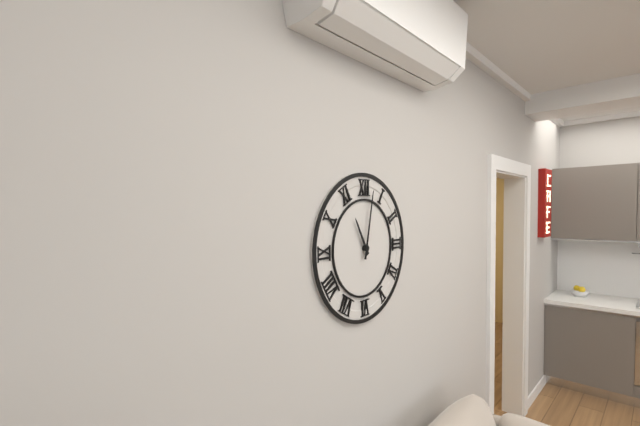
11:02
